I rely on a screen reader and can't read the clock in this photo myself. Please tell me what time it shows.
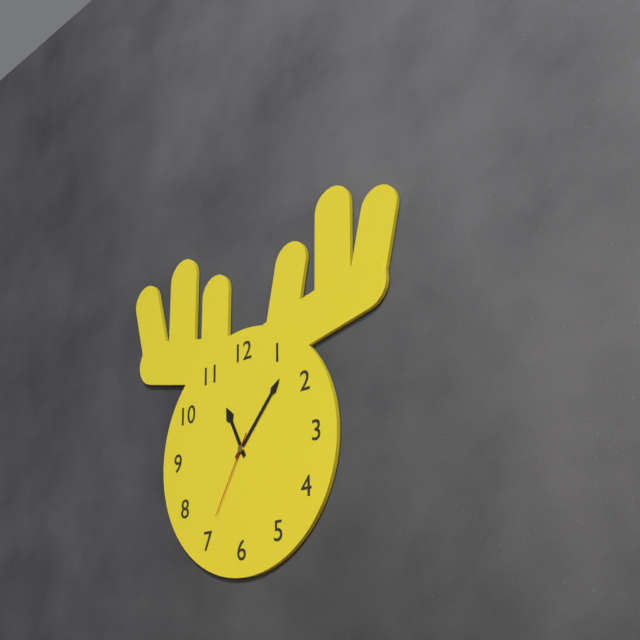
11:07:35
